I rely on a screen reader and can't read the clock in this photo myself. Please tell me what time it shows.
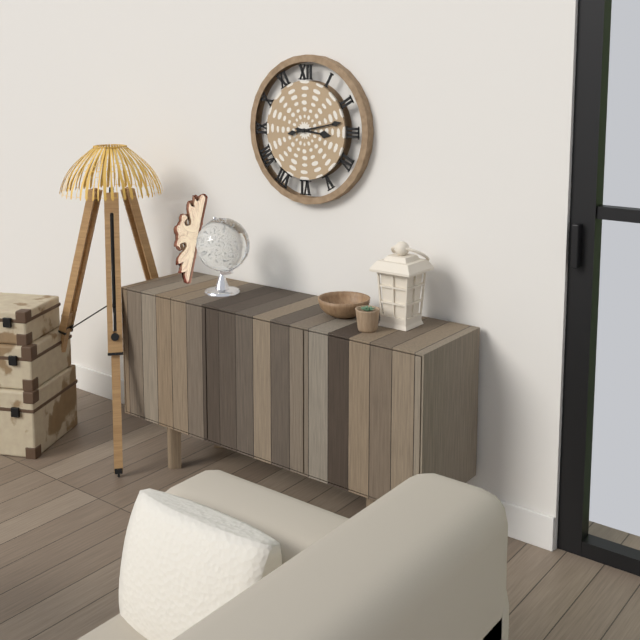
3:13
